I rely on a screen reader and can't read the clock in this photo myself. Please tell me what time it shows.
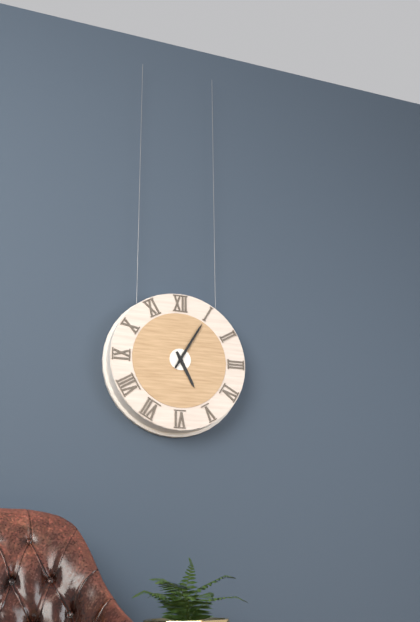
5:05
